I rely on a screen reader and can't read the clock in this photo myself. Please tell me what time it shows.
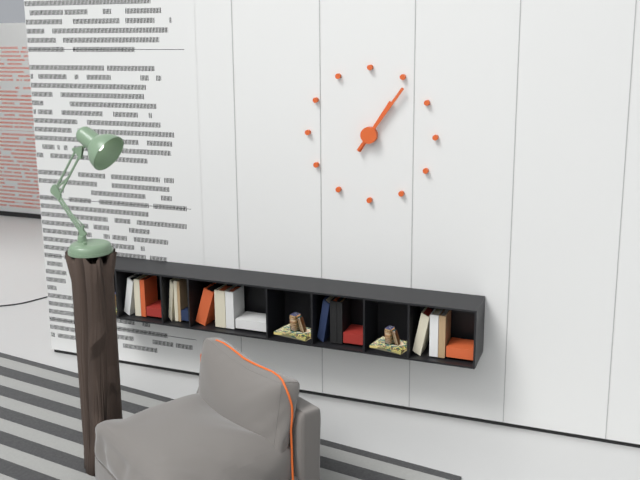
1:06
